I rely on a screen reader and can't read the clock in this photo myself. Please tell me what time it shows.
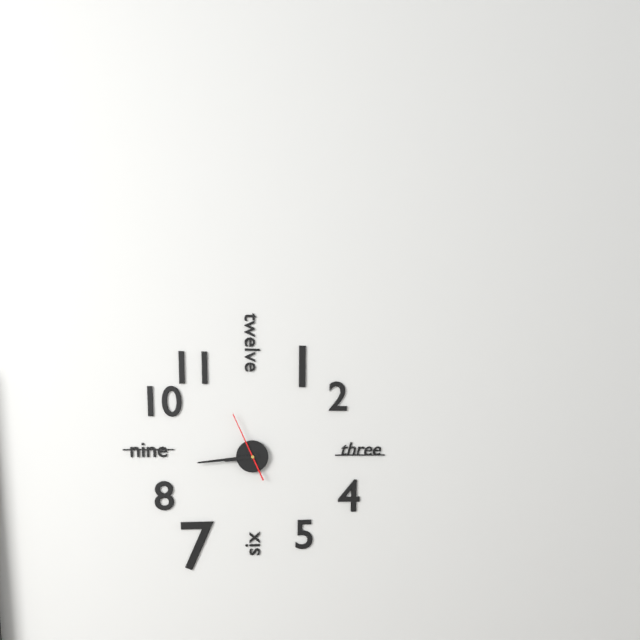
8:44:56
